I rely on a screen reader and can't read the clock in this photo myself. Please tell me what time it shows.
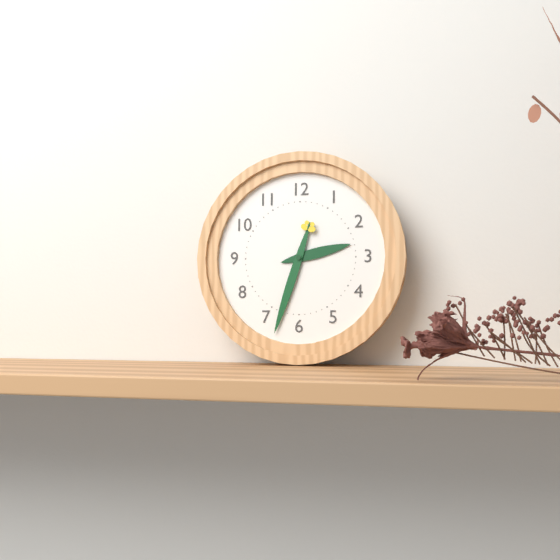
2:33
